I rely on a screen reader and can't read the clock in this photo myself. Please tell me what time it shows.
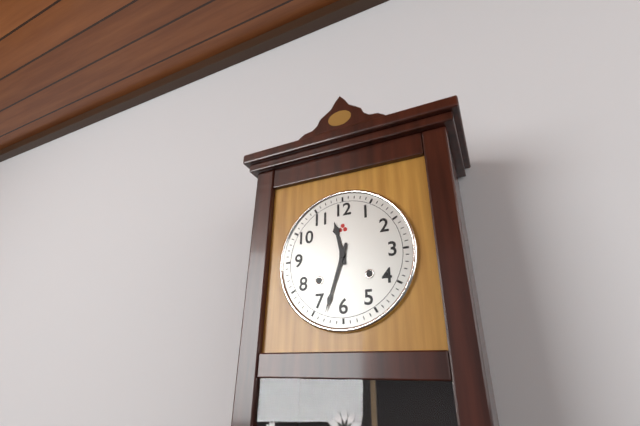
11:33
